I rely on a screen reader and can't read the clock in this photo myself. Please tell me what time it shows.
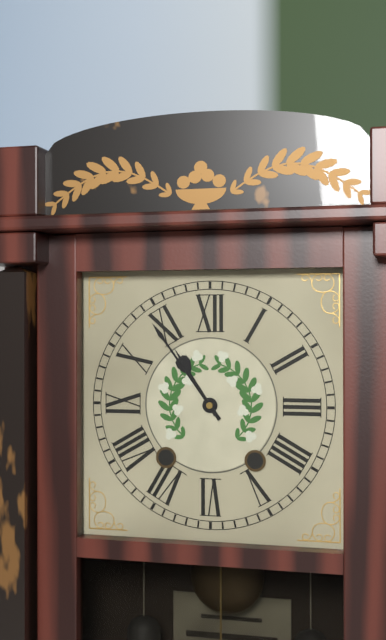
10:54
